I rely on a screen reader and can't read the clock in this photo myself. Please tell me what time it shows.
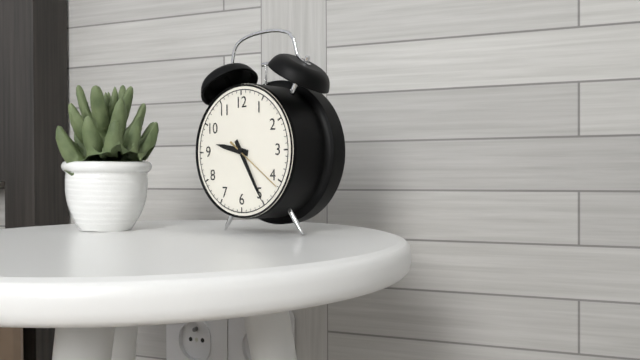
9:25:21
